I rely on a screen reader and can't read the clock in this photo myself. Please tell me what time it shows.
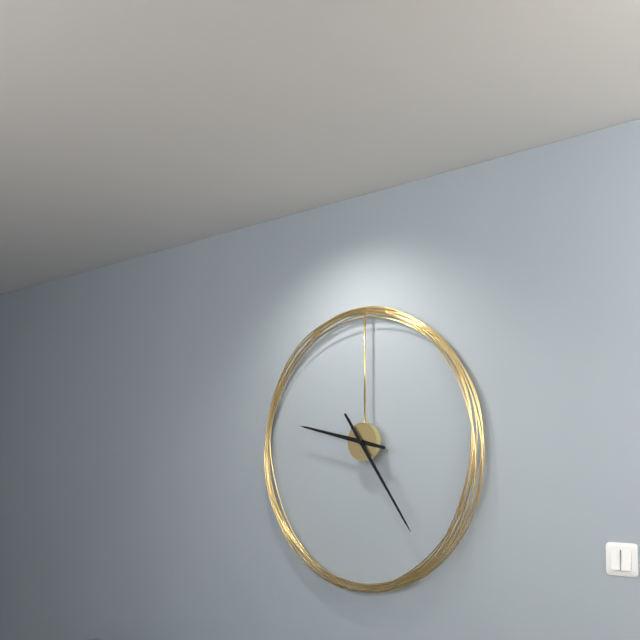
9:24
